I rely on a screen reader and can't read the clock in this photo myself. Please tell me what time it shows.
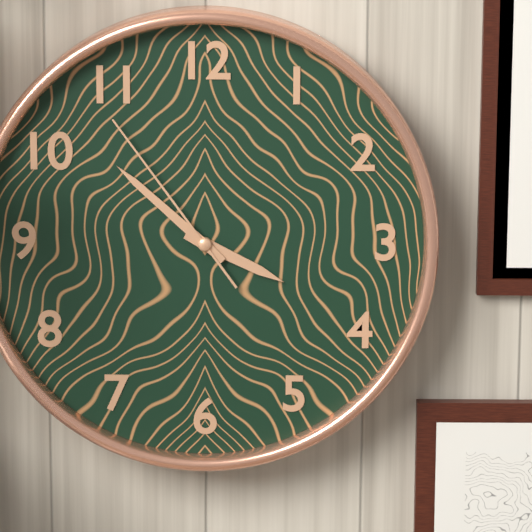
3:52:54
